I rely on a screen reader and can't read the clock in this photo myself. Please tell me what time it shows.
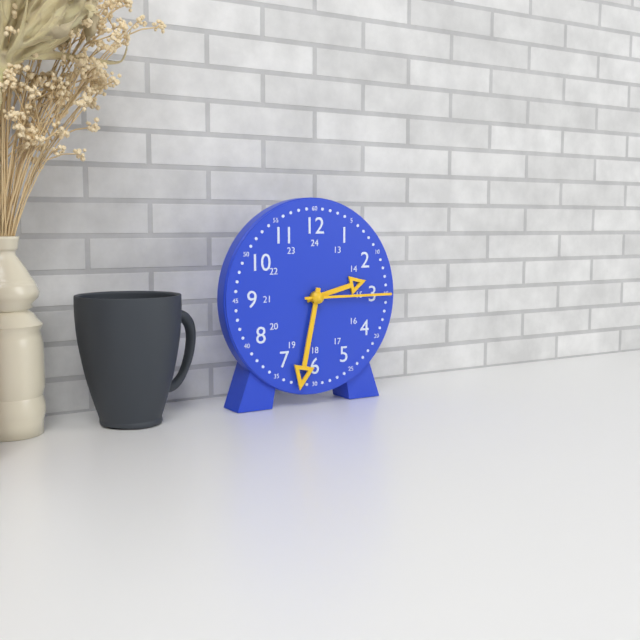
2:32:15
